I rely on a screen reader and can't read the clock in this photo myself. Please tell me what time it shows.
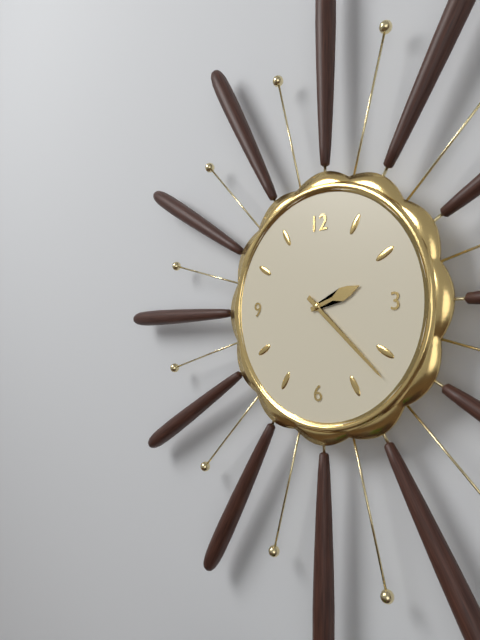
2:22
